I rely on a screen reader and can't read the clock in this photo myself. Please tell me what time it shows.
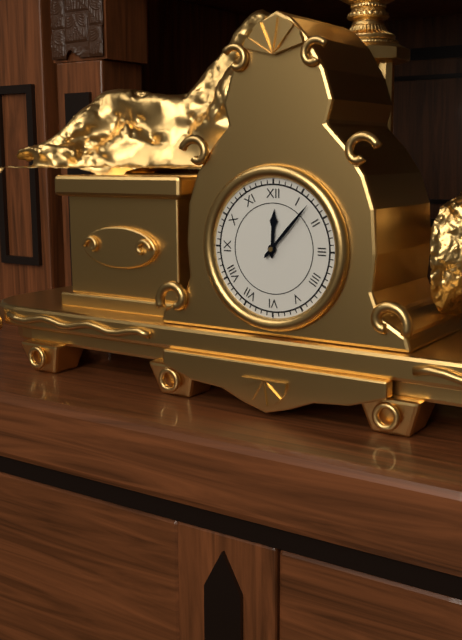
12:07
